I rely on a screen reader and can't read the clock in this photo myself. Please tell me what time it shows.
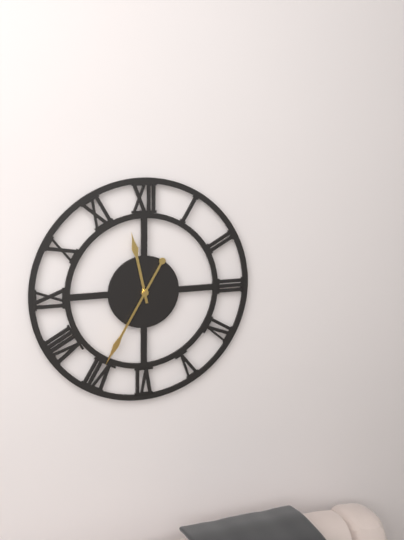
11:35
